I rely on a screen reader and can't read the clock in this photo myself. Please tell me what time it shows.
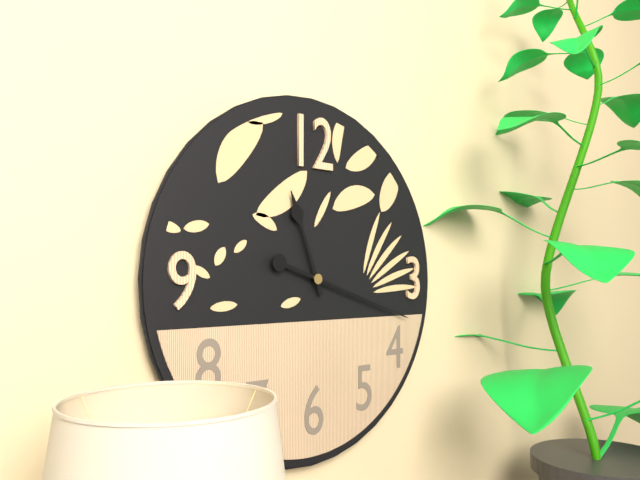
11:18
